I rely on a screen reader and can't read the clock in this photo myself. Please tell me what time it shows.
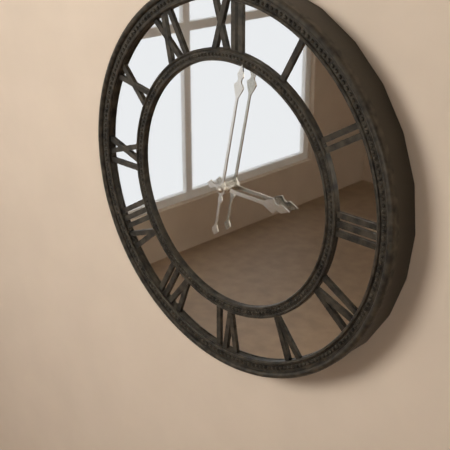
3:02
